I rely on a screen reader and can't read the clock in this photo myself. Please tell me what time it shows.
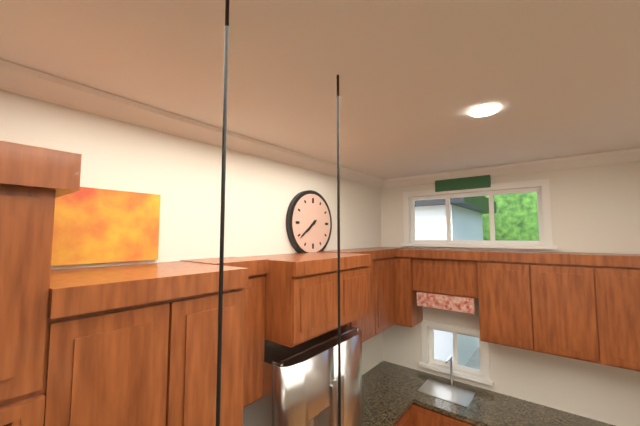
7:39
